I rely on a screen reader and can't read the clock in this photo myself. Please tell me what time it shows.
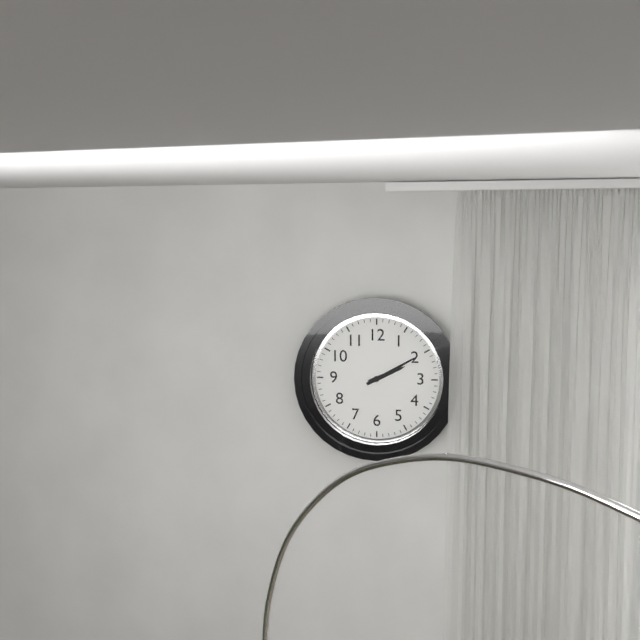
2:10
